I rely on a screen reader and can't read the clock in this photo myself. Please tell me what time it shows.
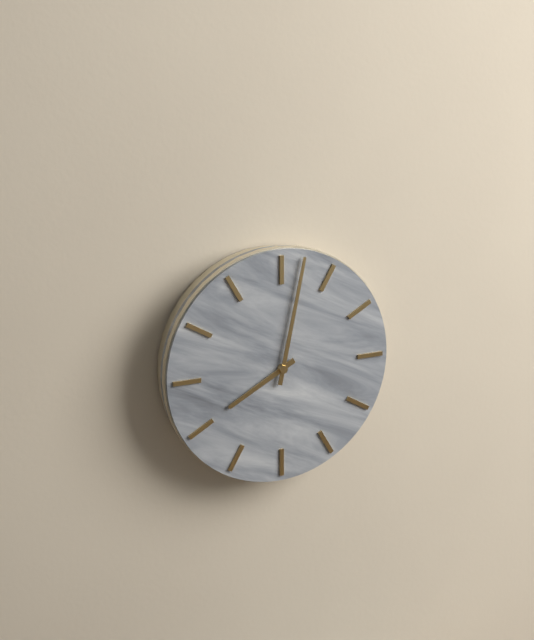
8:02
